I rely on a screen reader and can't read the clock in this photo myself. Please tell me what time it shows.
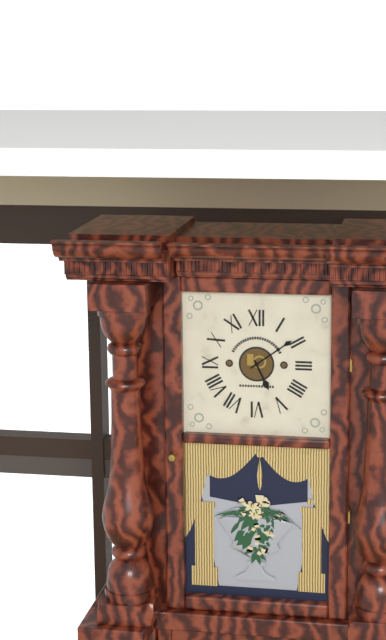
5:09
